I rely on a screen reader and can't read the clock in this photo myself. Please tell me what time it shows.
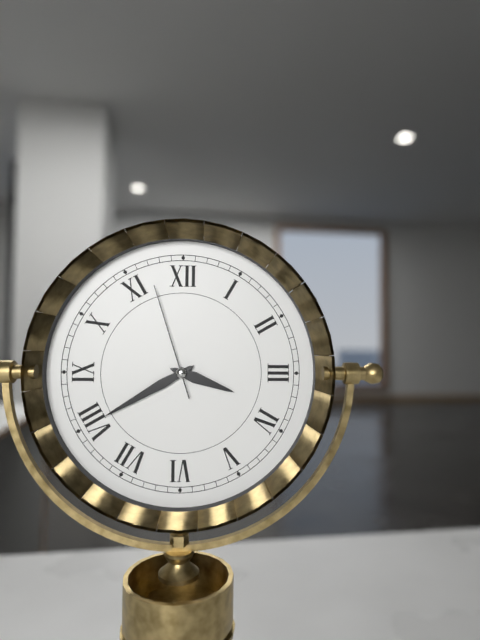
3:40:57
